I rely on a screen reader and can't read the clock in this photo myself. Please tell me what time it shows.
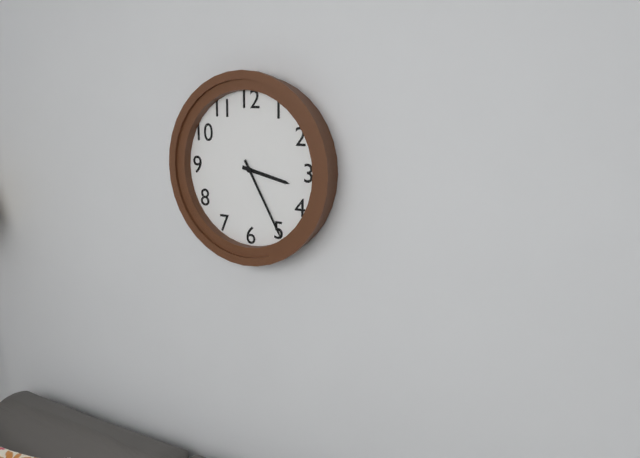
3:25
